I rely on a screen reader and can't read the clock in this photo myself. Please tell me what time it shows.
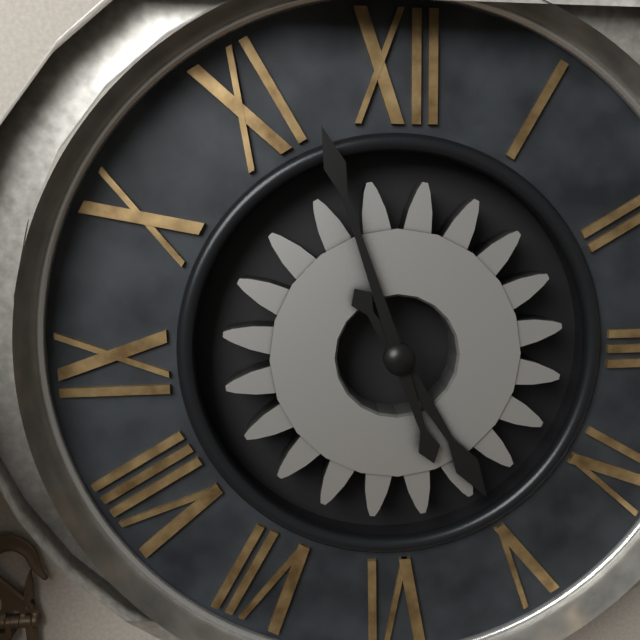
4:57
